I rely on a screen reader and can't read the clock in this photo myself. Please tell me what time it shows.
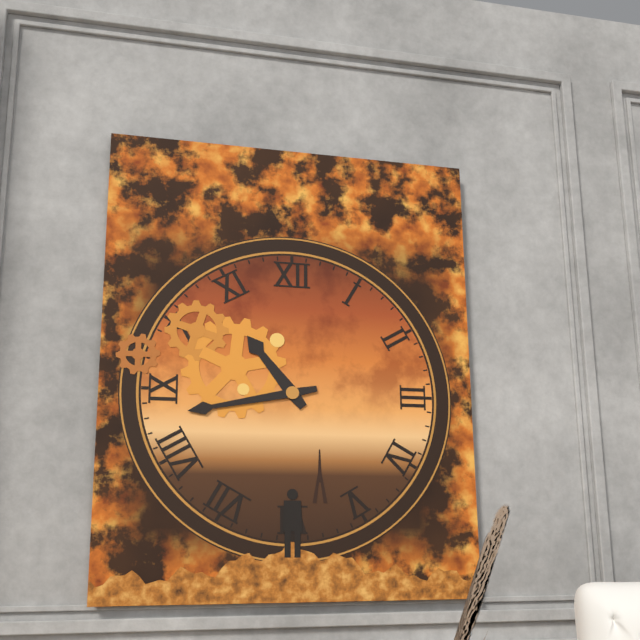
10:43
